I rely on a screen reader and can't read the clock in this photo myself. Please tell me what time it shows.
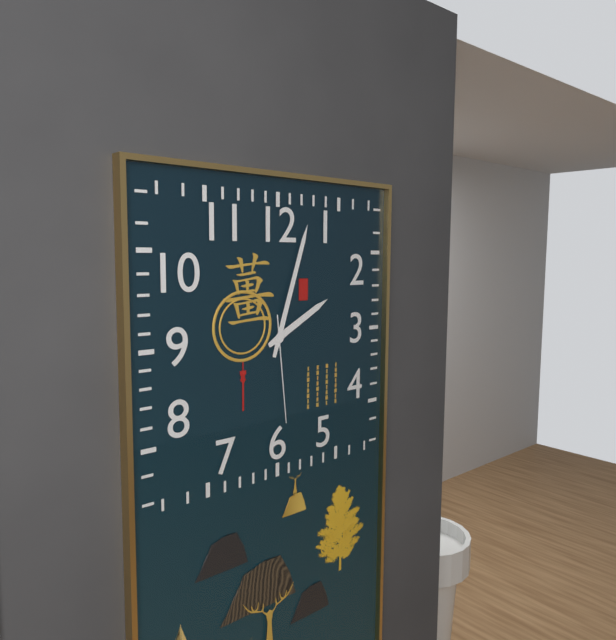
2:03:29
